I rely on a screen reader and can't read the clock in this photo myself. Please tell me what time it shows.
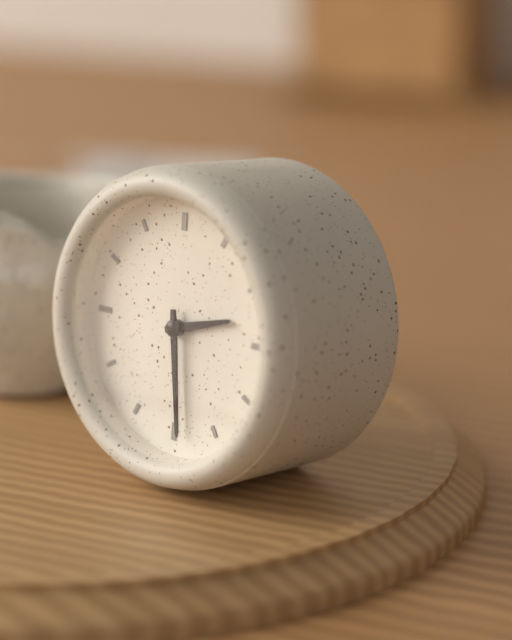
2:29
